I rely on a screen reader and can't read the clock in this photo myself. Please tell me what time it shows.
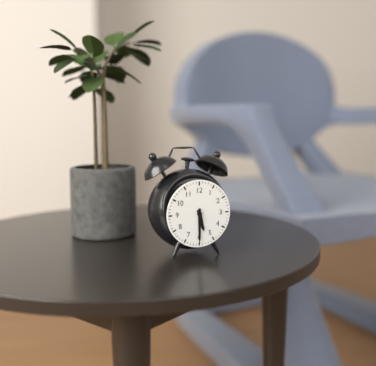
5:30
